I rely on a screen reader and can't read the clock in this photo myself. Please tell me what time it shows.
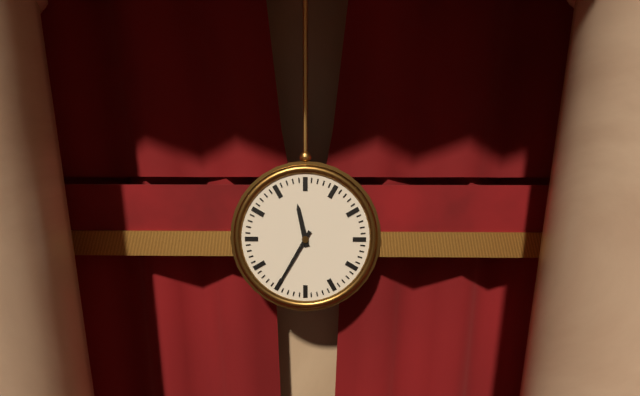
11:35
